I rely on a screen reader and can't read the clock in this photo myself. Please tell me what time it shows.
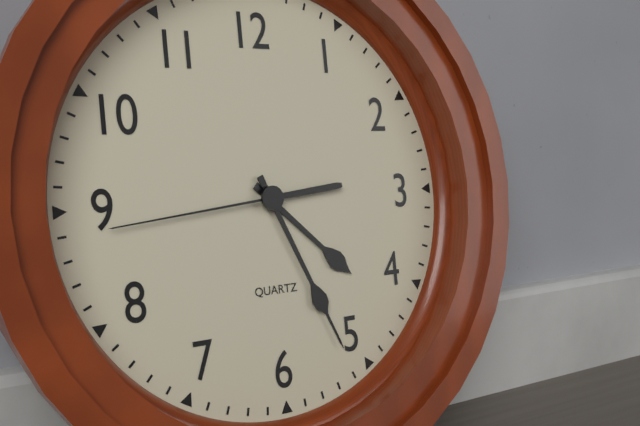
4:26:44
